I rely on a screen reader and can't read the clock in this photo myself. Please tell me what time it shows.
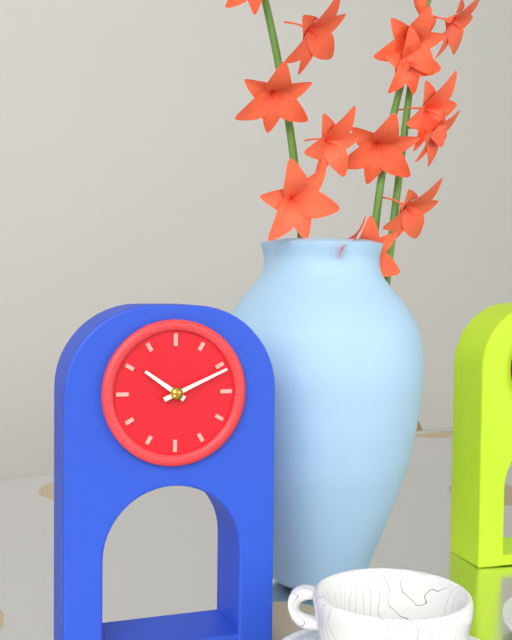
10:11
